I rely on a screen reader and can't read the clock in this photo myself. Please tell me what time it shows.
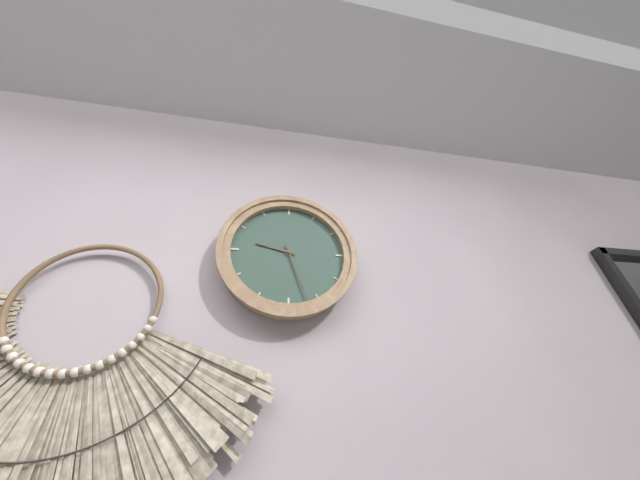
9:27
